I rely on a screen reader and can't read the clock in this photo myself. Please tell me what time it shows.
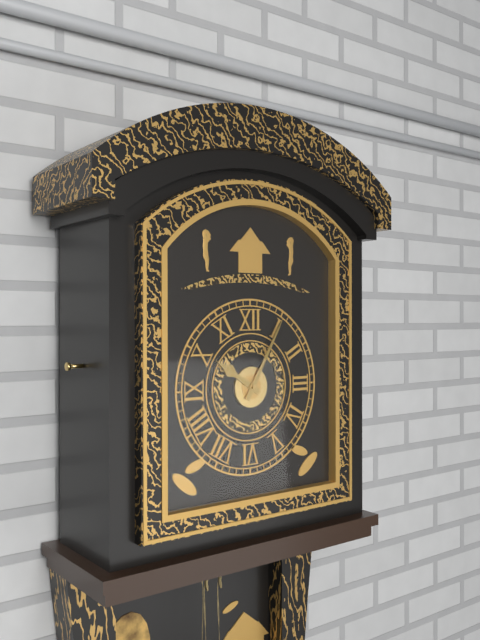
10:05
